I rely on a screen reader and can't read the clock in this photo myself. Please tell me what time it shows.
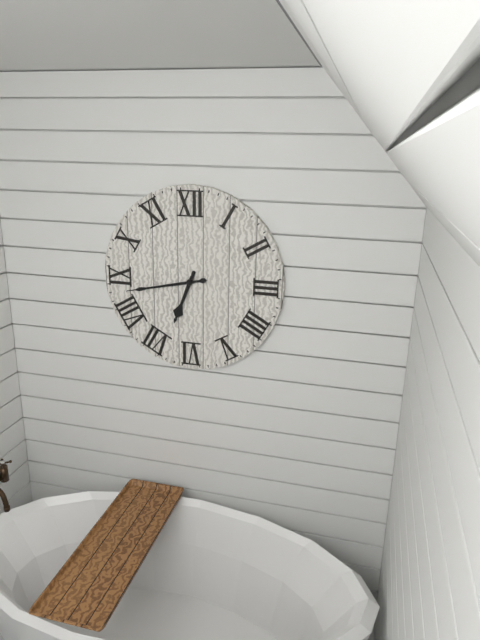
6:43
